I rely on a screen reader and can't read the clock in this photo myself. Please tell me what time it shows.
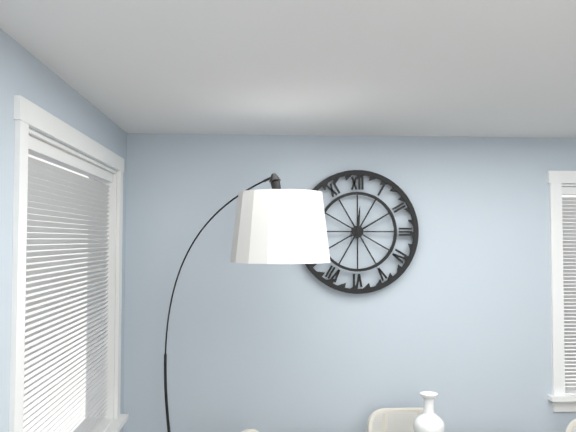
12:10
